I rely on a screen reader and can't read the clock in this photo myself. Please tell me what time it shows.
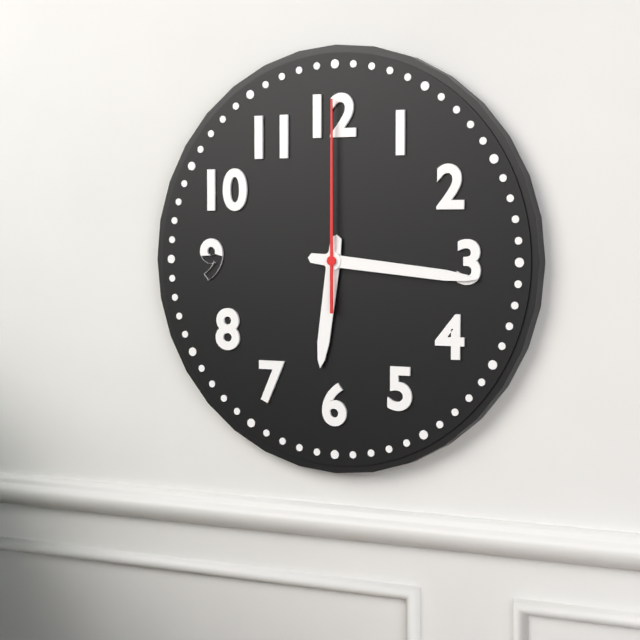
6:16:00
